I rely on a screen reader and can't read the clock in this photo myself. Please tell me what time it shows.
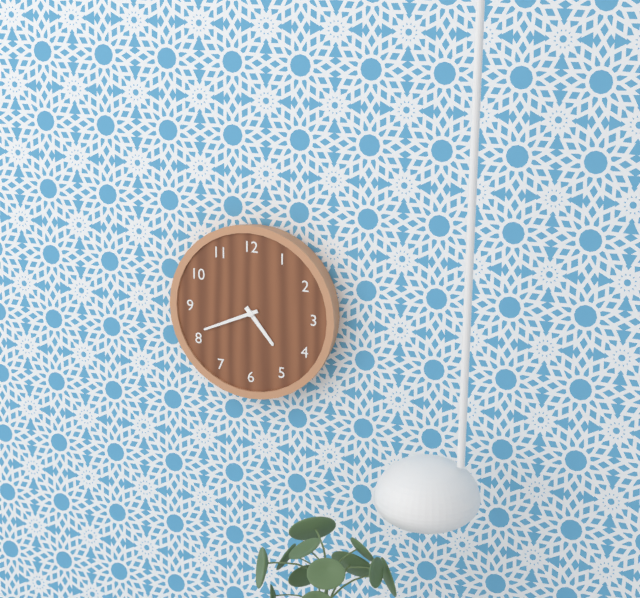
4:41
